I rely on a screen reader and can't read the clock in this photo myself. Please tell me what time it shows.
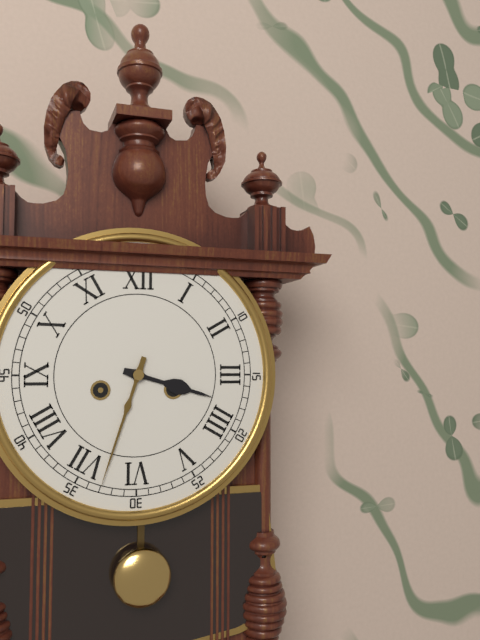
3:33
